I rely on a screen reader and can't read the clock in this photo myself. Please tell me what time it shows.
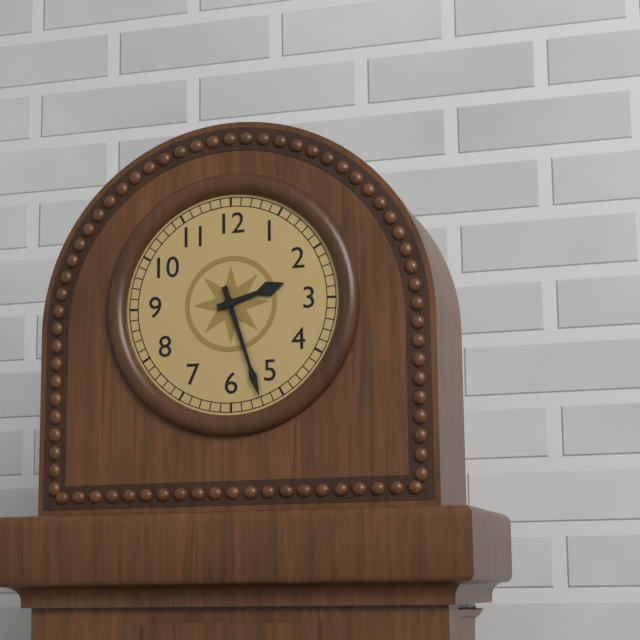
2:27
